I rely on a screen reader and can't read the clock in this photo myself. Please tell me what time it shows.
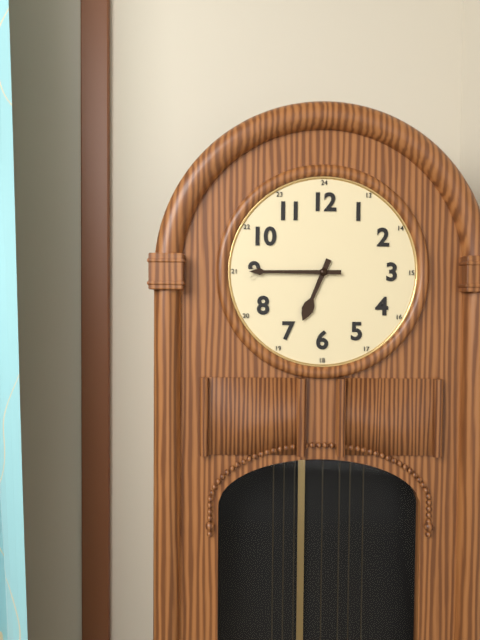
6:45
